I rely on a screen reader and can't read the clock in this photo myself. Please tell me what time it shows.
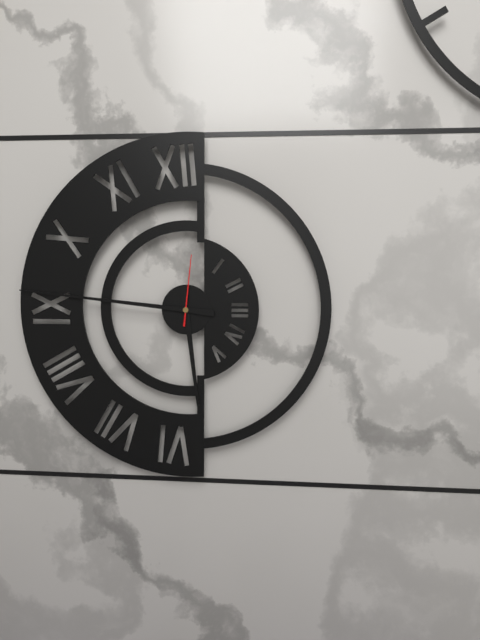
5:46:01
